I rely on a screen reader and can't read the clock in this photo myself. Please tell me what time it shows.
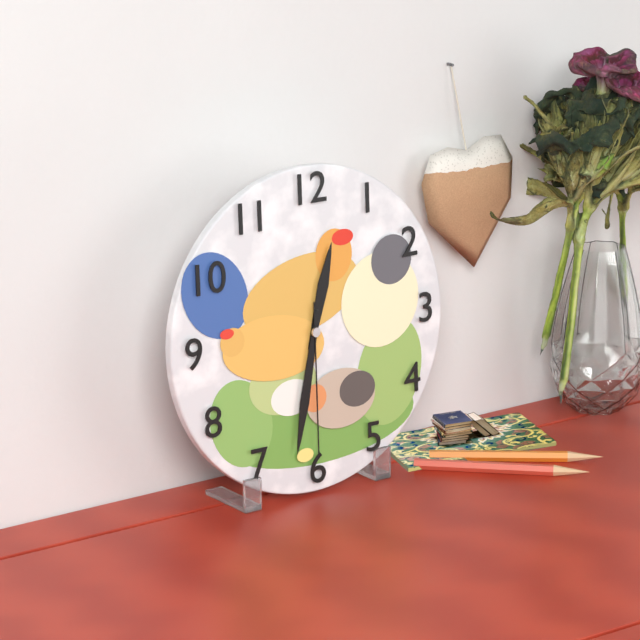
12:32:30
